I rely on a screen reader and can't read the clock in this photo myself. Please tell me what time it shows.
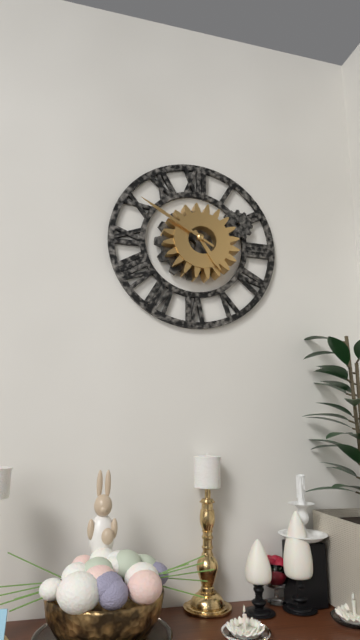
4:50
